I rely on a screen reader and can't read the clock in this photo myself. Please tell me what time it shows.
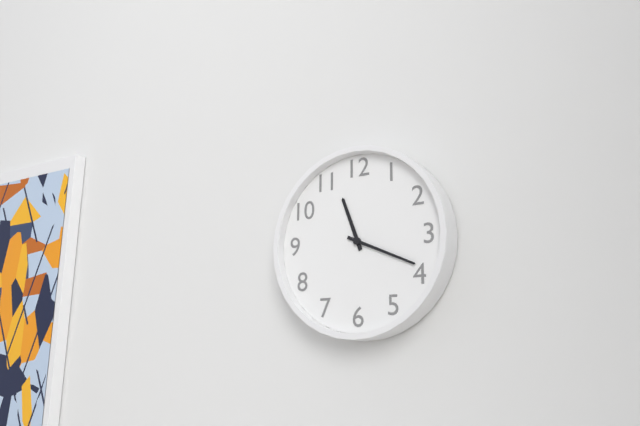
11:19
